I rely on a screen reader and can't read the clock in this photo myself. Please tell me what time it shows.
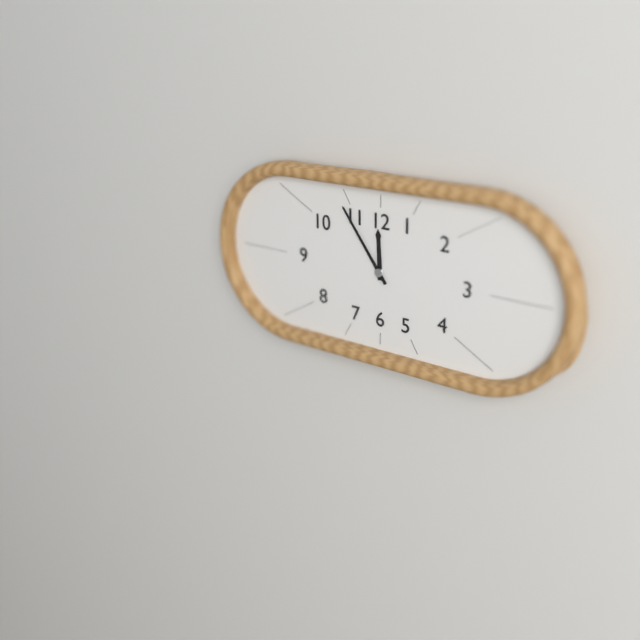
11:54
